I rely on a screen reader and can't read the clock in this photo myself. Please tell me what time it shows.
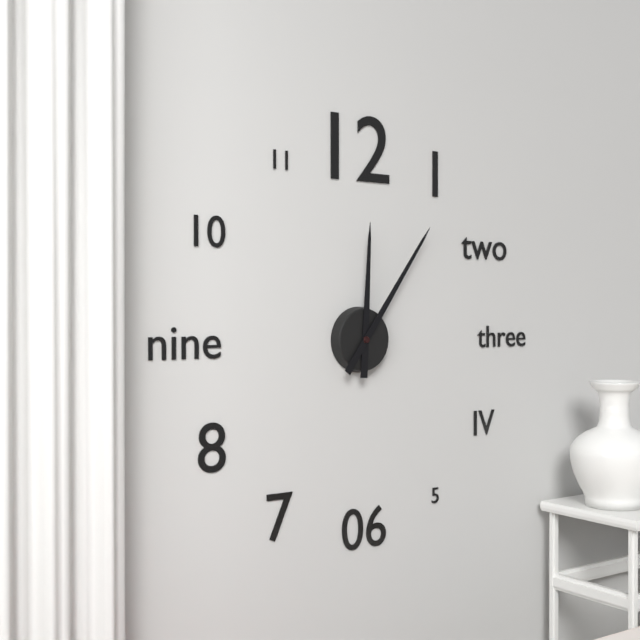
12:06
